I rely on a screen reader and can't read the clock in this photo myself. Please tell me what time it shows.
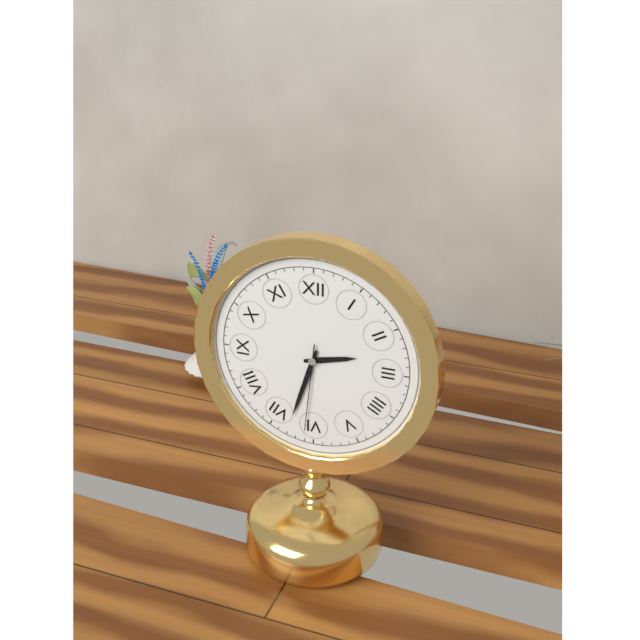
2:33:31
